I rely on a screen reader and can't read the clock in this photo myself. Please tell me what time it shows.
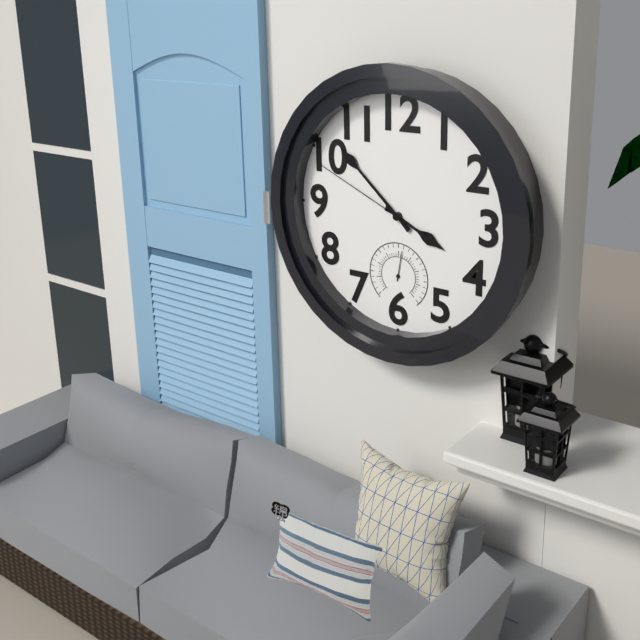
3:52:49
